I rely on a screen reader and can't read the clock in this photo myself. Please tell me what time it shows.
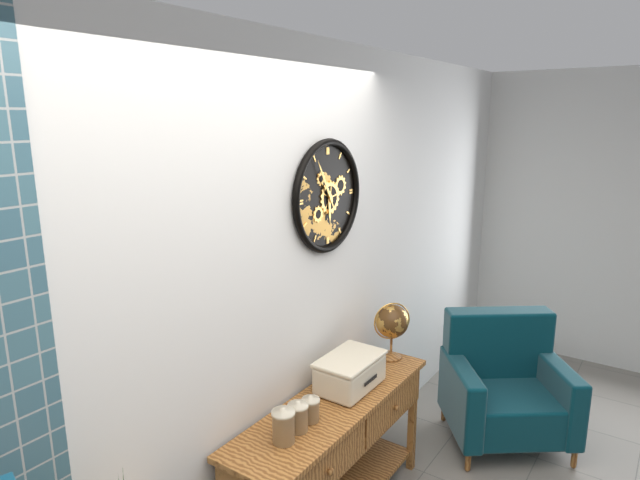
5:55
